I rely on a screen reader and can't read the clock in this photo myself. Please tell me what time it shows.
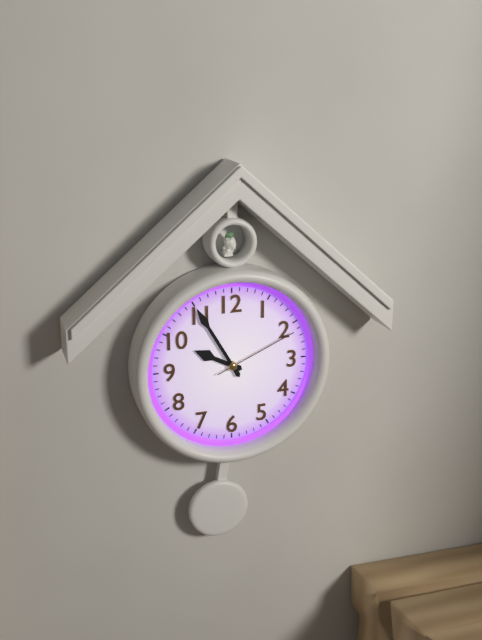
9:55:11
